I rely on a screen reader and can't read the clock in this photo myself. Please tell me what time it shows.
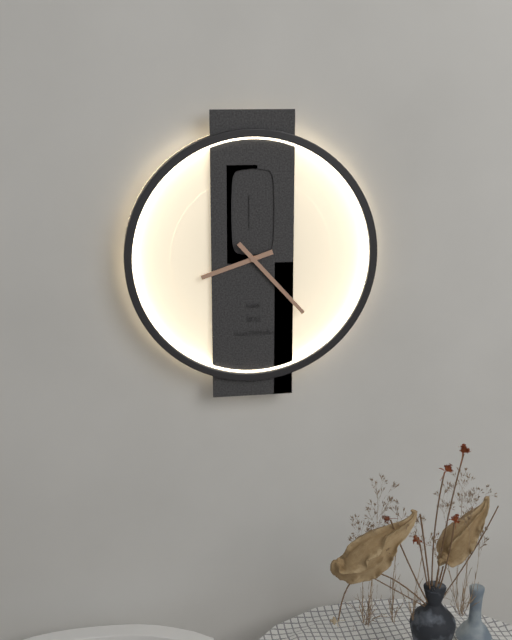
8:23
